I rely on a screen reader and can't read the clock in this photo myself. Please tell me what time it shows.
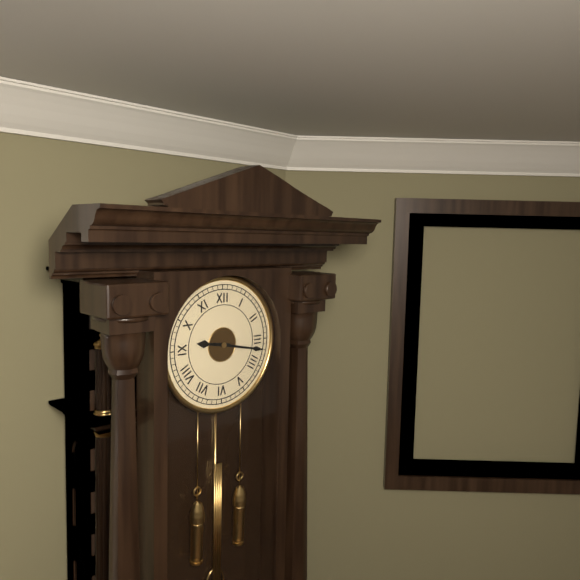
9:17
